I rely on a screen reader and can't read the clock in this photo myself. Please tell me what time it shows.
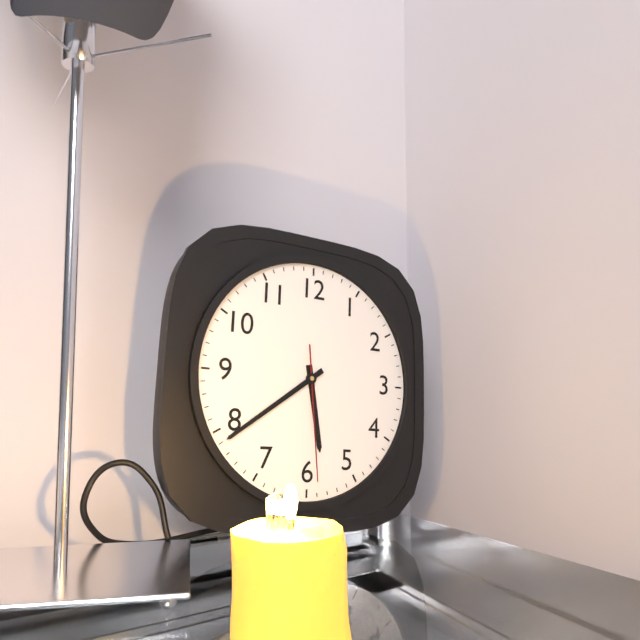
5:39:29
